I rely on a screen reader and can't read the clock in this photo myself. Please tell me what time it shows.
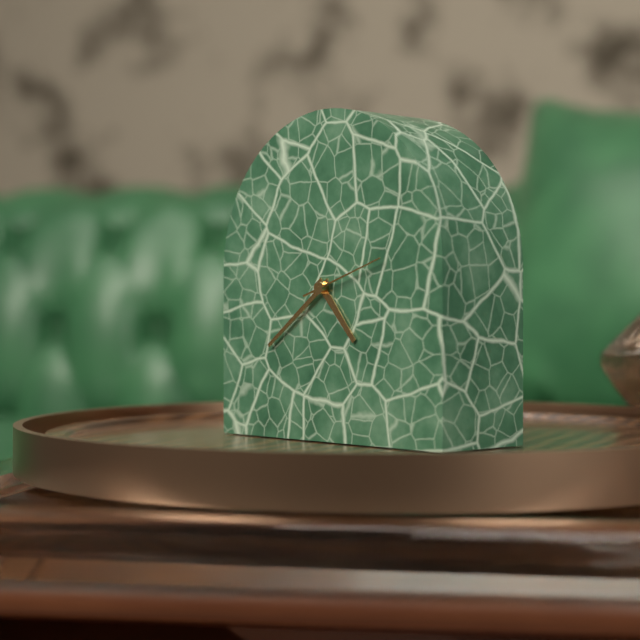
4:39:12
